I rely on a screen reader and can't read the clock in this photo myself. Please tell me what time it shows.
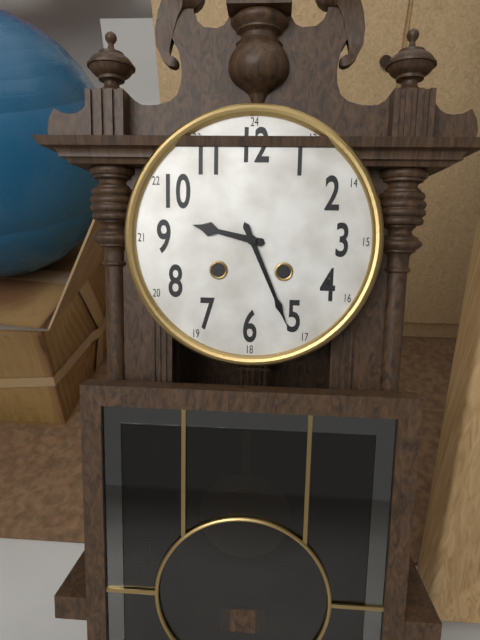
9:26
